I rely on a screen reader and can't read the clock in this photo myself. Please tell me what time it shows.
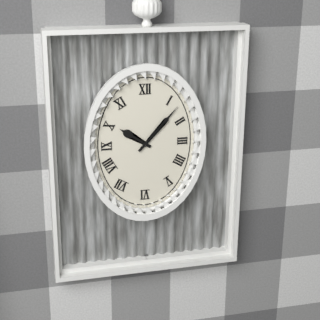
10:07
